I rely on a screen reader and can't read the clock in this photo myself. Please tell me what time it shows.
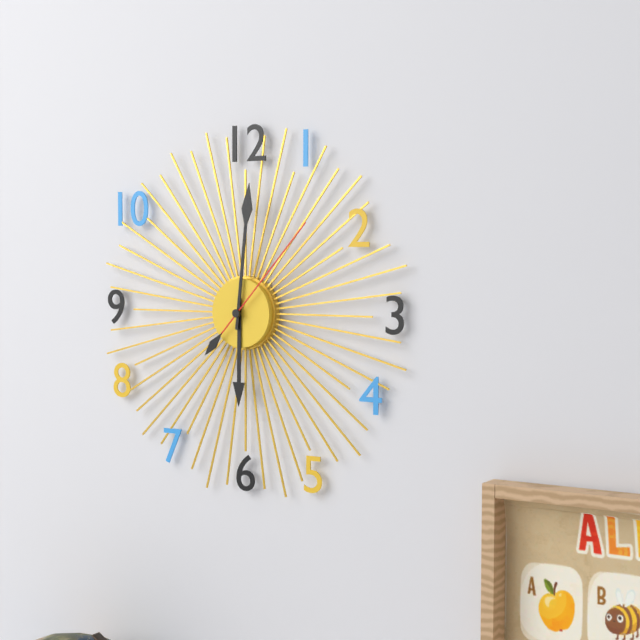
6:01:07
